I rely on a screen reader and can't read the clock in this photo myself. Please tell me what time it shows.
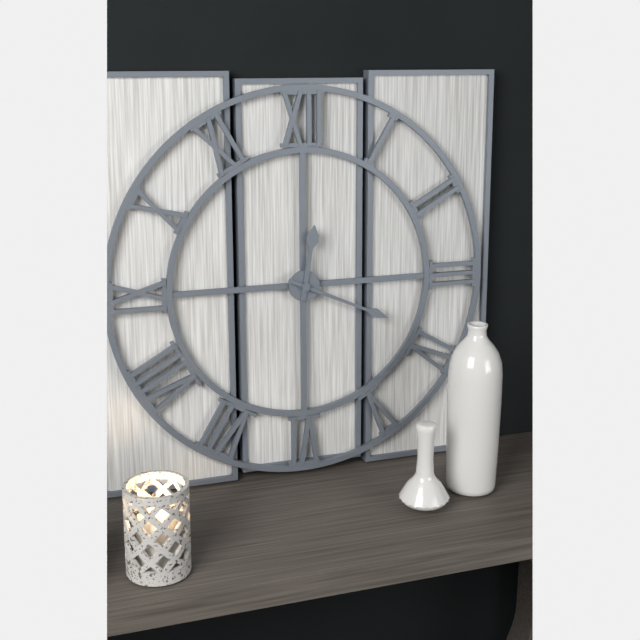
12:19
